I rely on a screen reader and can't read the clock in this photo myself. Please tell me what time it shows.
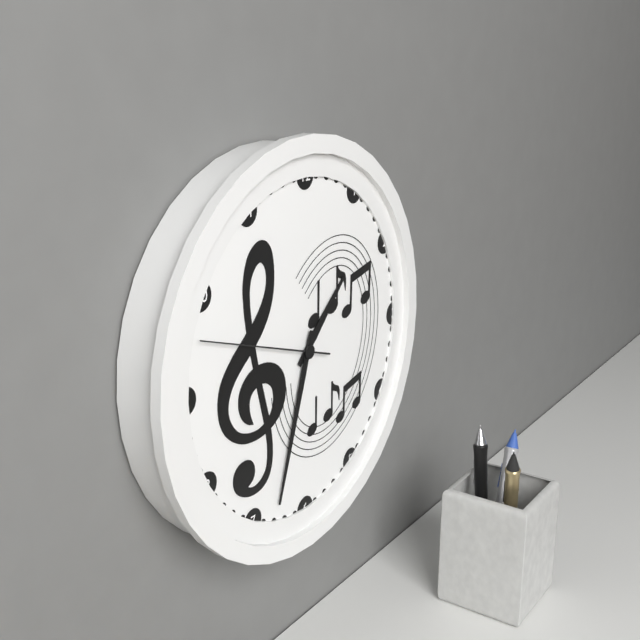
1:33:48
